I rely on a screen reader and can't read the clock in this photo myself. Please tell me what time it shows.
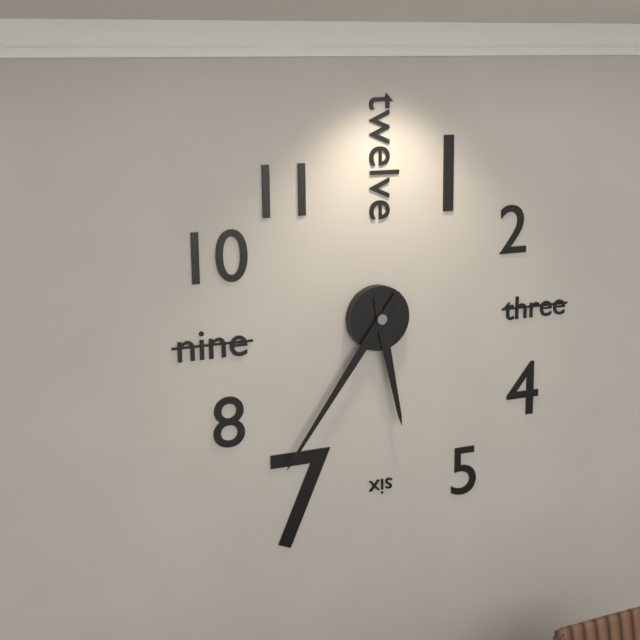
5:36
